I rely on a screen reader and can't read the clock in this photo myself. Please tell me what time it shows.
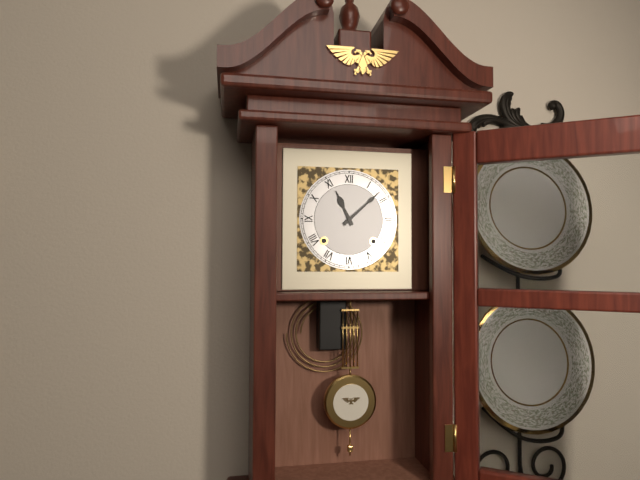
11:08
